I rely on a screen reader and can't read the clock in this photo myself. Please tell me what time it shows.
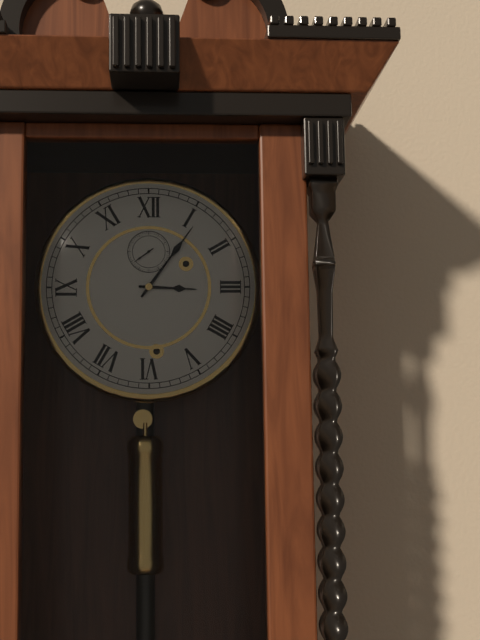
3:06
